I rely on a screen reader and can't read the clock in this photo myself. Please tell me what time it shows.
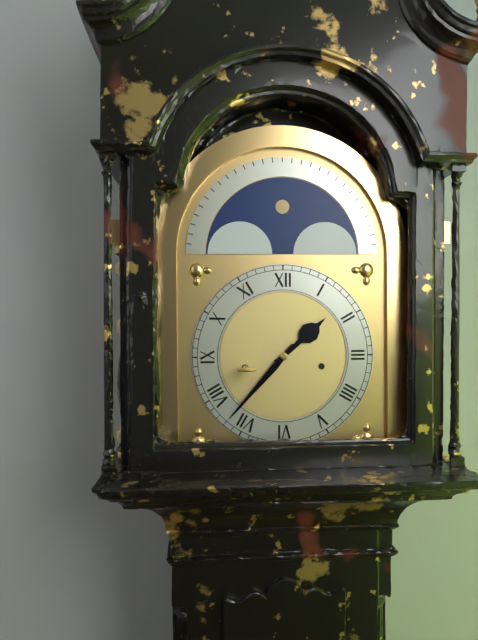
1:37
